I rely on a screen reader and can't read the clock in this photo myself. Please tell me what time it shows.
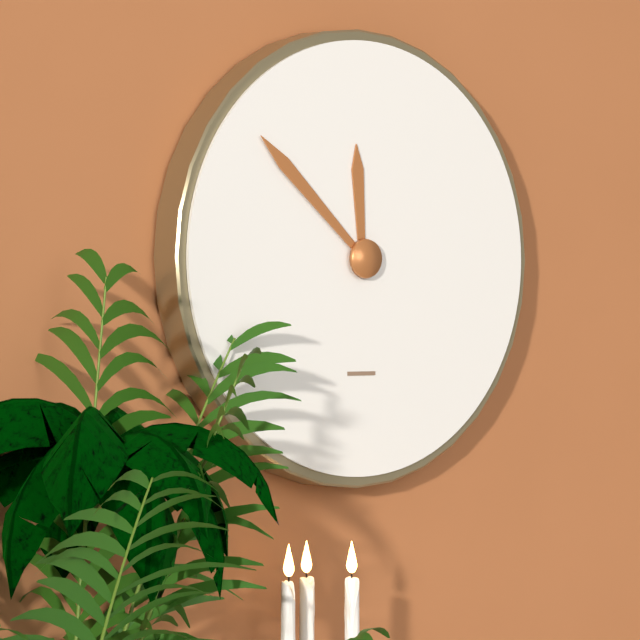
11:52
